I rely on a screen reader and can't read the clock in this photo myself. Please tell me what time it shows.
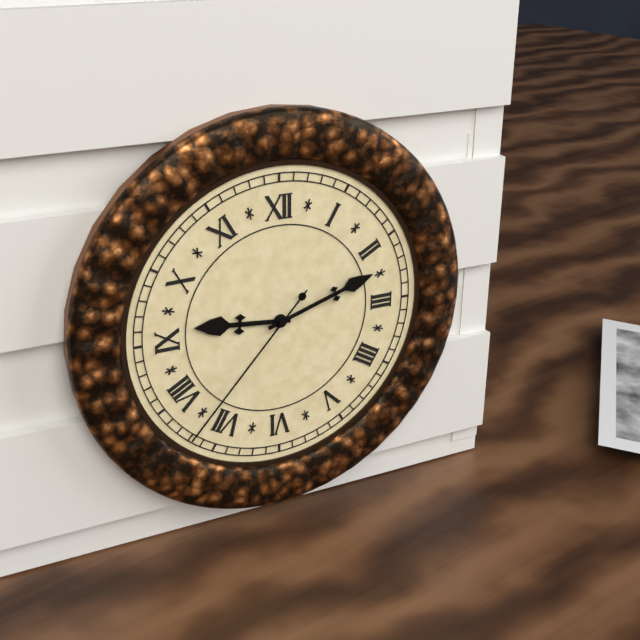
9:12:37
